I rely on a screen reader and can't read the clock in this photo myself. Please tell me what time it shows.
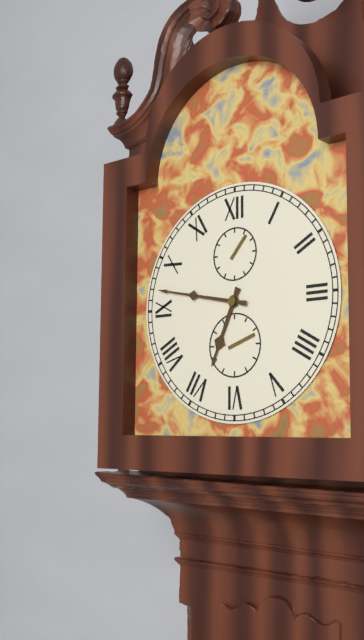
6:47
